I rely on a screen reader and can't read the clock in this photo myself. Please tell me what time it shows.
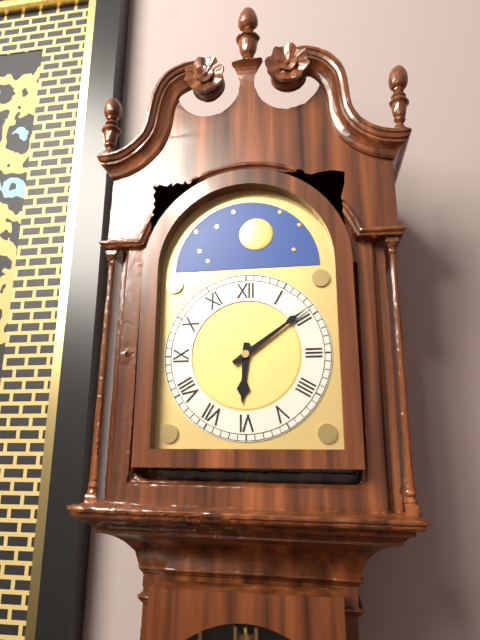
6:09
